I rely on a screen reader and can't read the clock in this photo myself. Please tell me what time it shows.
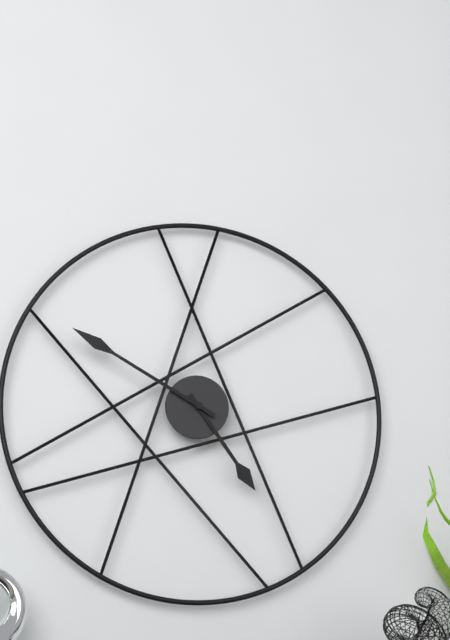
4:50
